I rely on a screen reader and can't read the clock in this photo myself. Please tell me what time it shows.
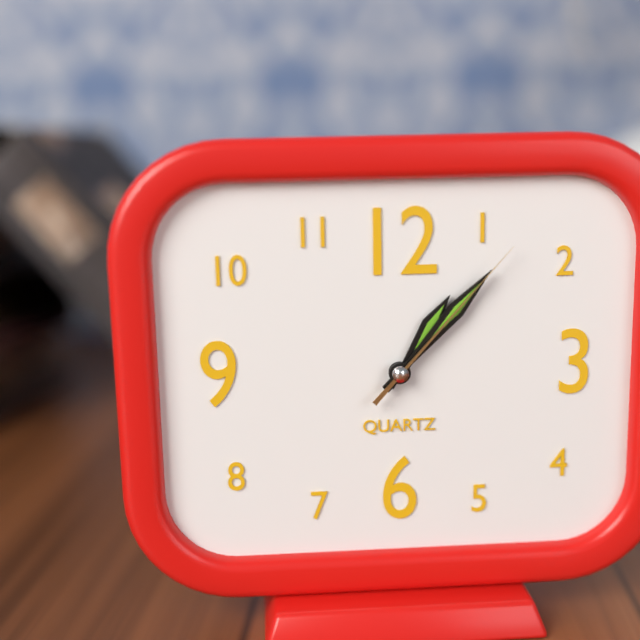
1:07:07
